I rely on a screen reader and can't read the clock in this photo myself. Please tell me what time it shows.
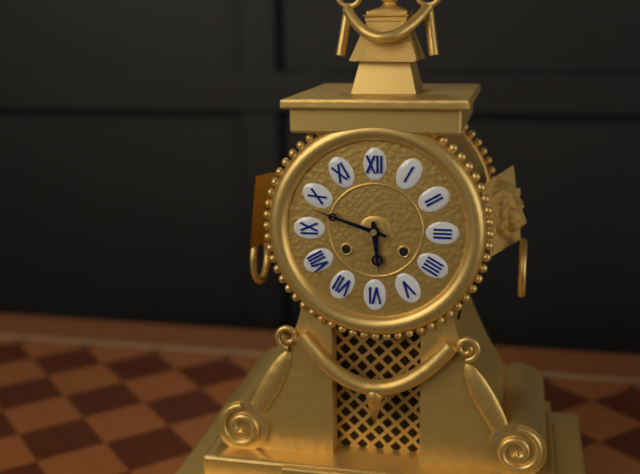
5:48
